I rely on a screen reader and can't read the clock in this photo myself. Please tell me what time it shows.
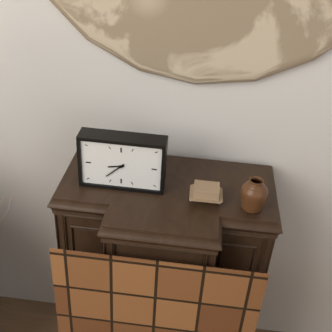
8:38
